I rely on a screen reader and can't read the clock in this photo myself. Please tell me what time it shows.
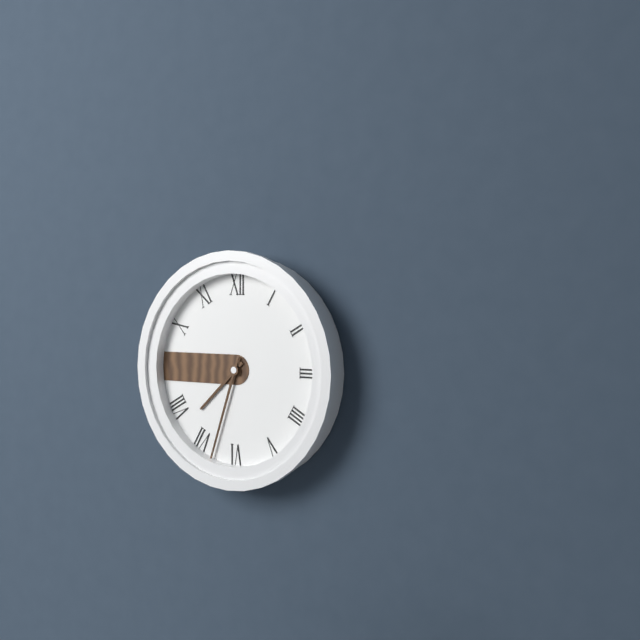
7:33
